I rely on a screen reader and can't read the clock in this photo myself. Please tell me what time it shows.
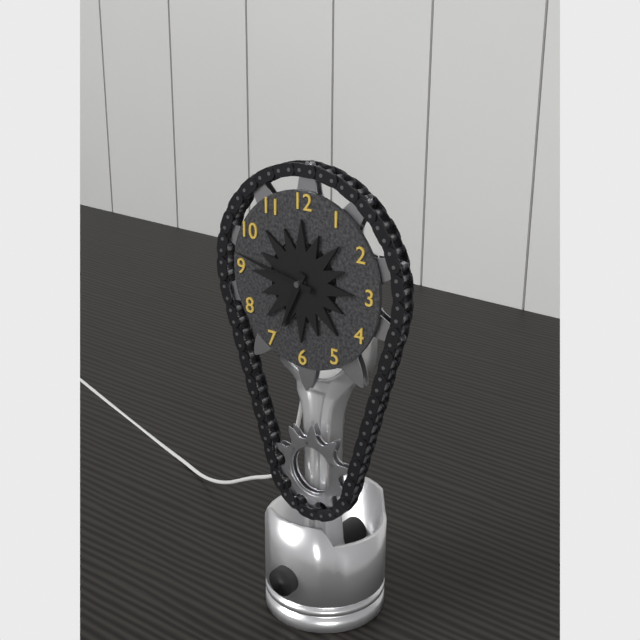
6:47
